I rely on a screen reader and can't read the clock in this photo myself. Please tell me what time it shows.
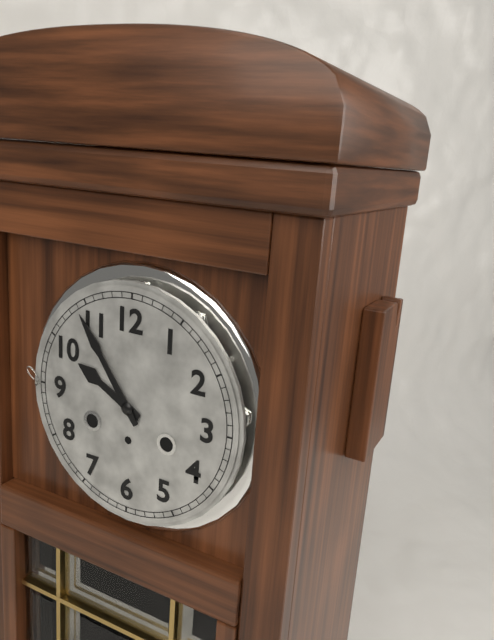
9:54
